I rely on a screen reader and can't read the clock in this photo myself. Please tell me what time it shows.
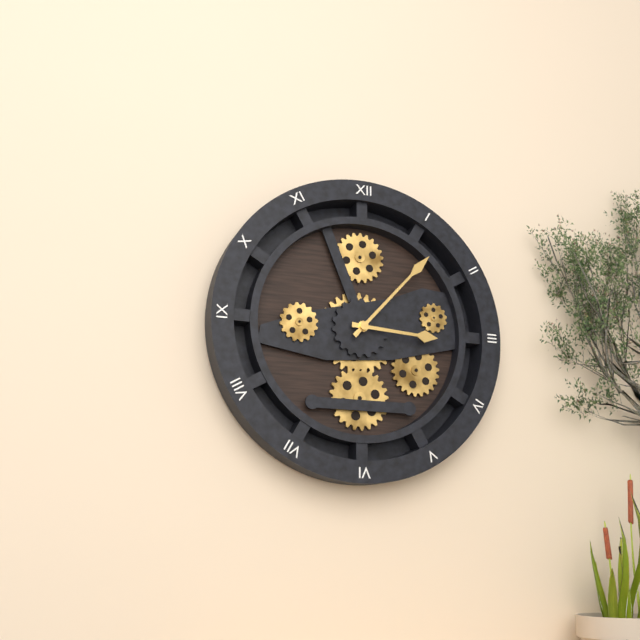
3:07
